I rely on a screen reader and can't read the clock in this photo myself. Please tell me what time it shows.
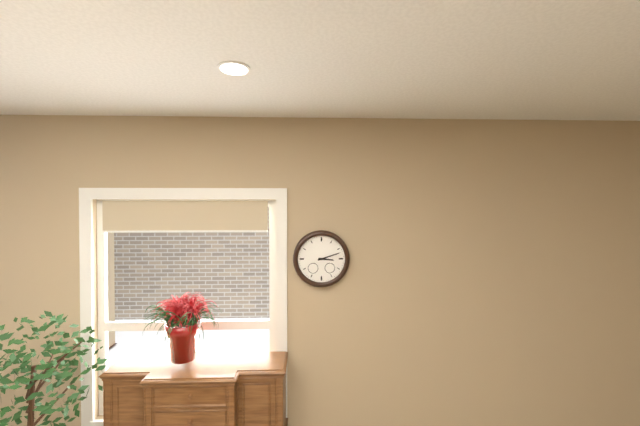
3:12
